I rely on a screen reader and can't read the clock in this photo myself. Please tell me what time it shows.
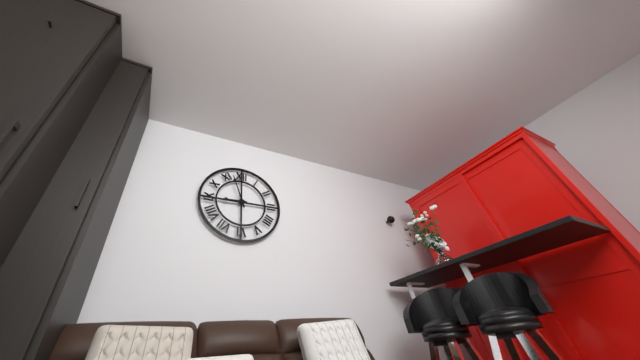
8:57
